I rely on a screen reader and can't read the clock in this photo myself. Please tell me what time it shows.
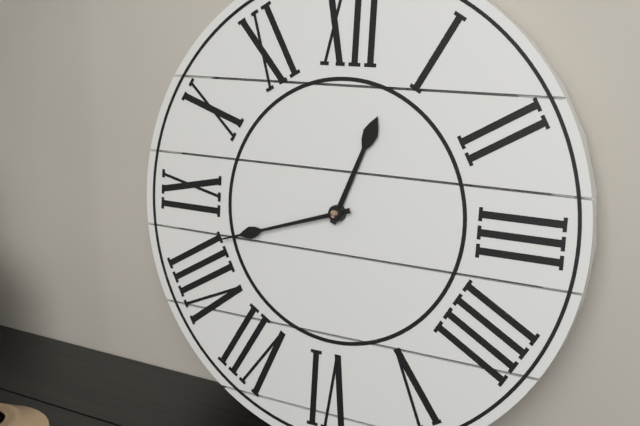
12:42
